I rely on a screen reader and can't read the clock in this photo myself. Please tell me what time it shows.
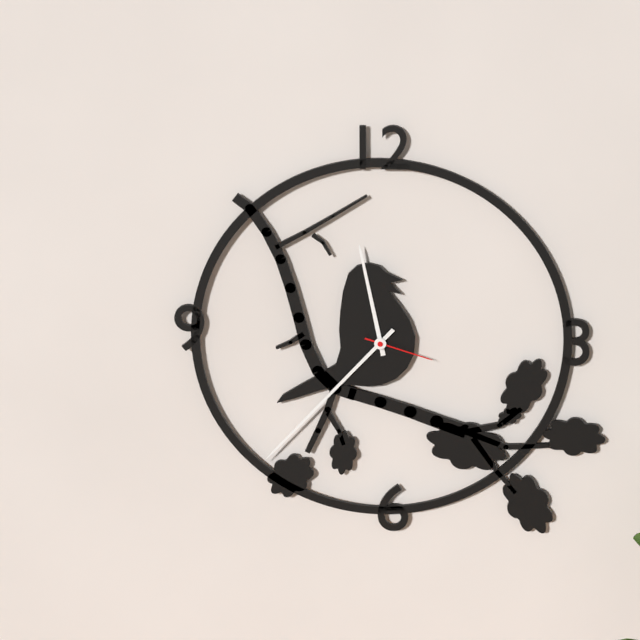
11:37:18
